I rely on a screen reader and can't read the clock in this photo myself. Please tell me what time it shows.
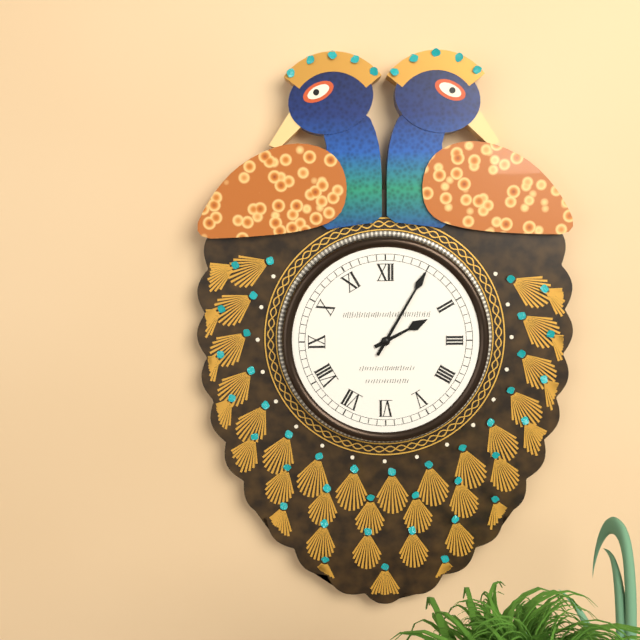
2:05
